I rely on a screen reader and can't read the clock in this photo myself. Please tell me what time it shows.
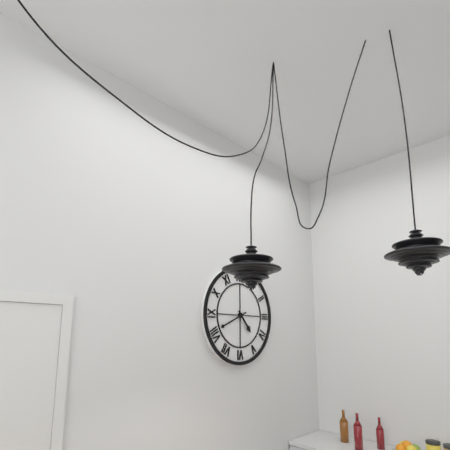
4:41
